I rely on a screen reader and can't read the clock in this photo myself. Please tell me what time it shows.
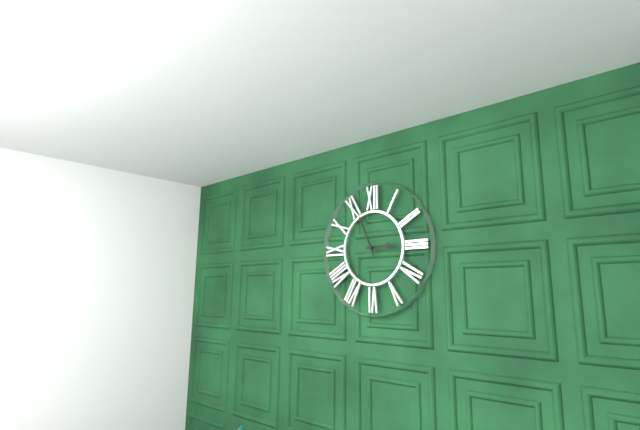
2:56
